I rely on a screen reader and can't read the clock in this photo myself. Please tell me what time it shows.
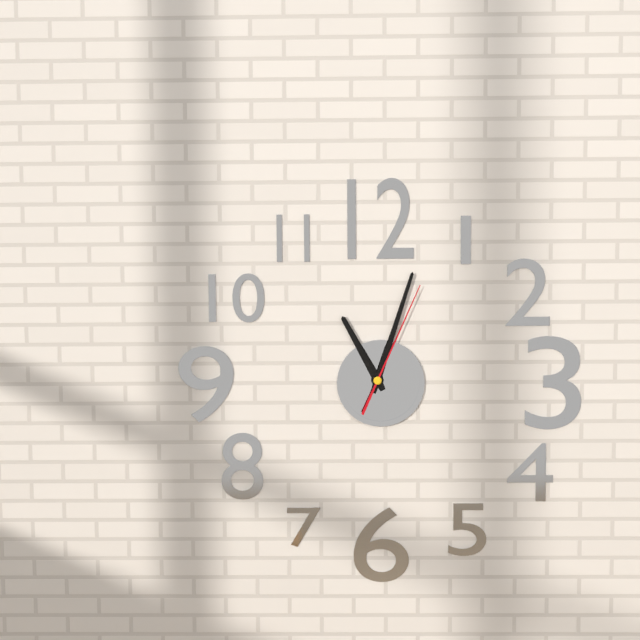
11:03:04
